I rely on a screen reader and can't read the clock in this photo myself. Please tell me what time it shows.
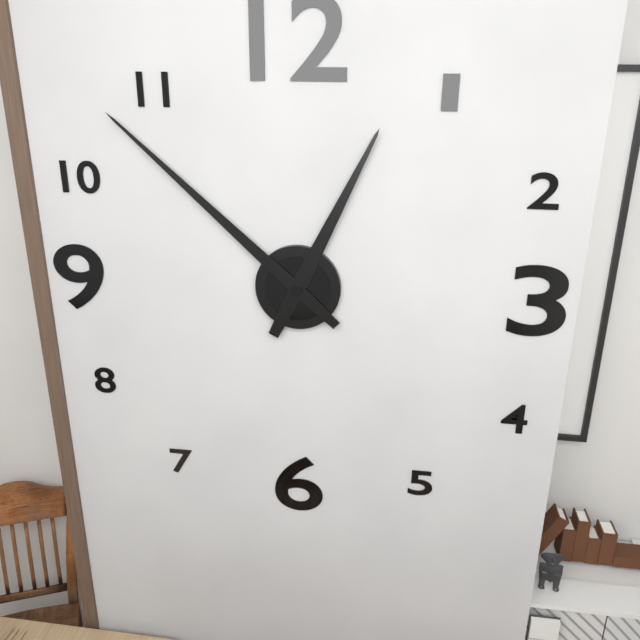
12:52
